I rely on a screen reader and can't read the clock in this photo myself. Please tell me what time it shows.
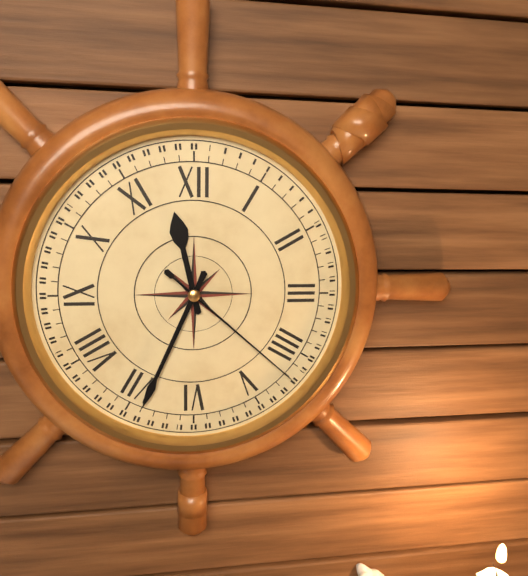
11:34:22
